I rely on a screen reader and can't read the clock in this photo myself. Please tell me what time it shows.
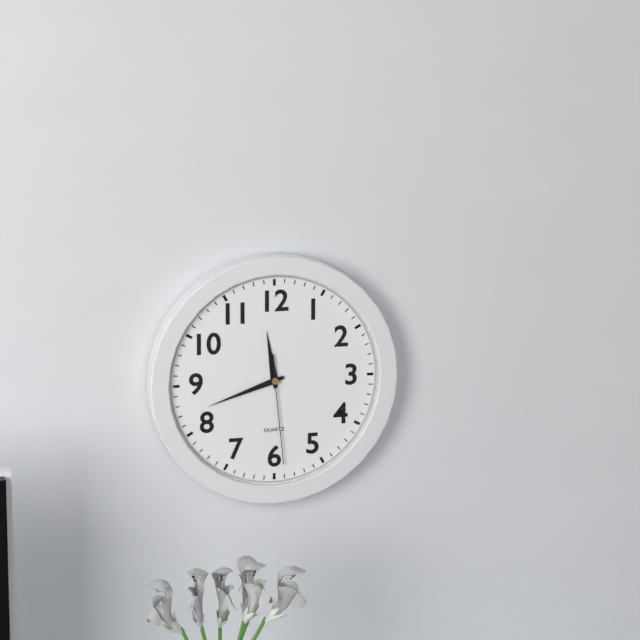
11:42:29
